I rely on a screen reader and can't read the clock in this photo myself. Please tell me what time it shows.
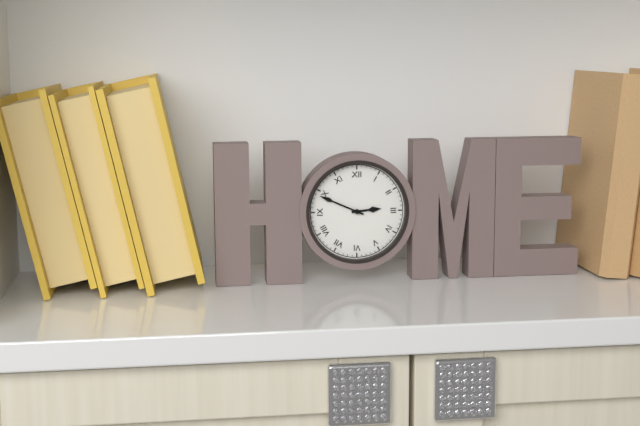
2:49
